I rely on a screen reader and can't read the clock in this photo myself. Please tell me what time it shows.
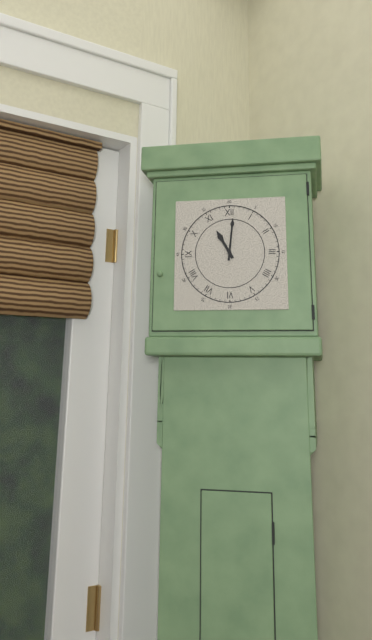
11:01
